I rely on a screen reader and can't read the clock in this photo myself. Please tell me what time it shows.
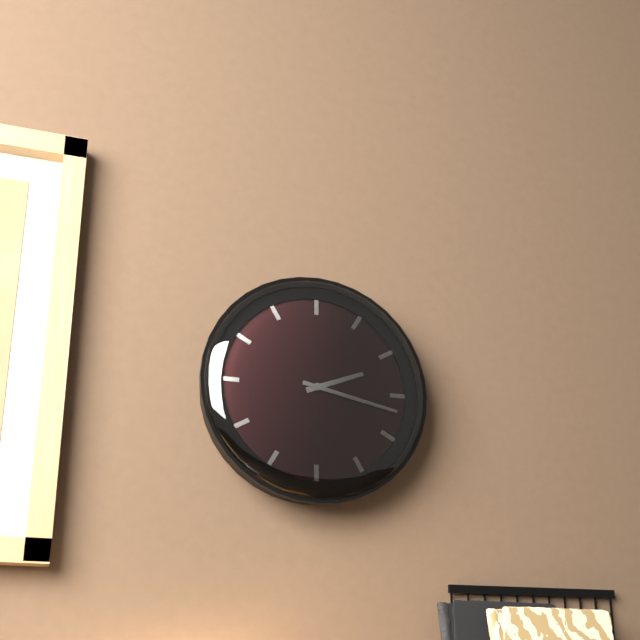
2:17
